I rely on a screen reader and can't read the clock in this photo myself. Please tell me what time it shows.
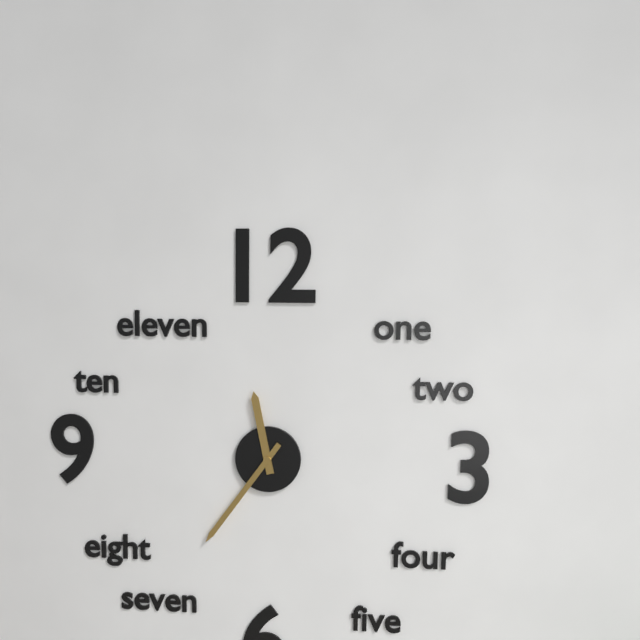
11:36
